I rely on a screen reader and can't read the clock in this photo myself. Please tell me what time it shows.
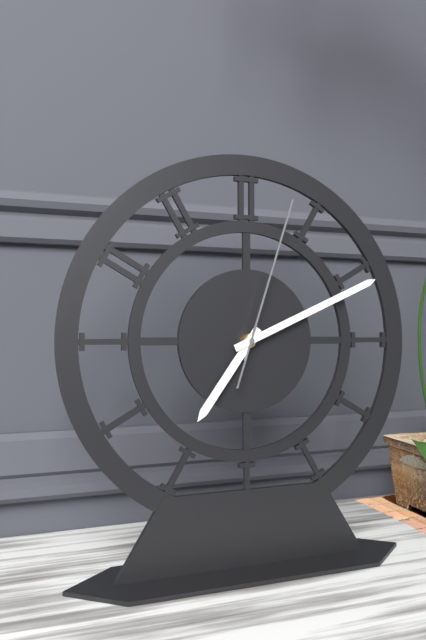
7:11:03
